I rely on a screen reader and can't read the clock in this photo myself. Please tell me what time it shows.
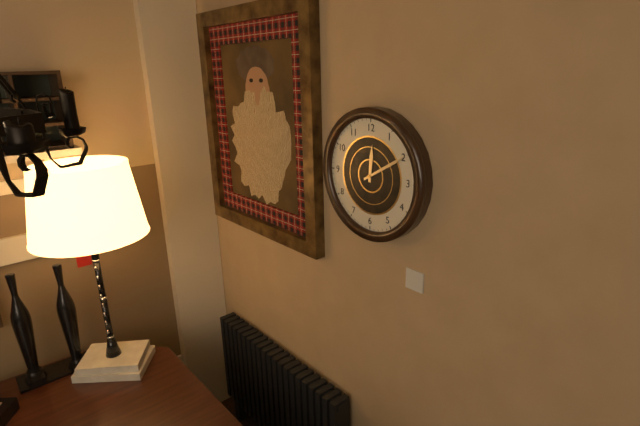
12:10
